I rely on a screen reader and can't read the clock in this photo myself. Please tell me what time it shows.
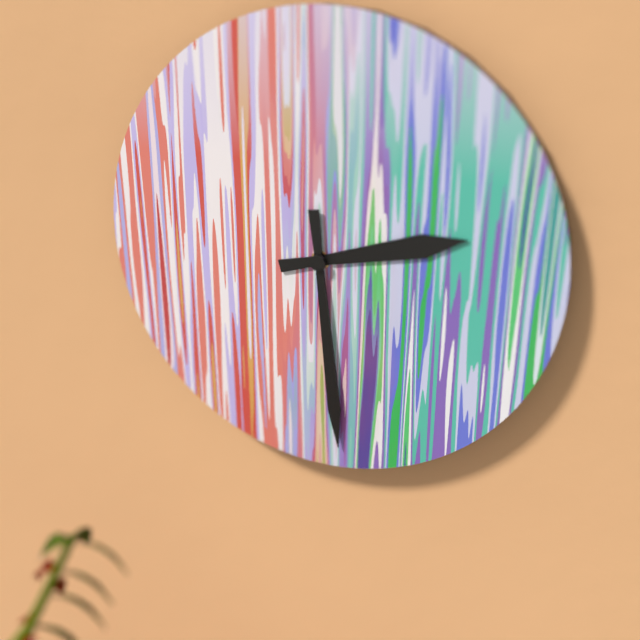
2:29
